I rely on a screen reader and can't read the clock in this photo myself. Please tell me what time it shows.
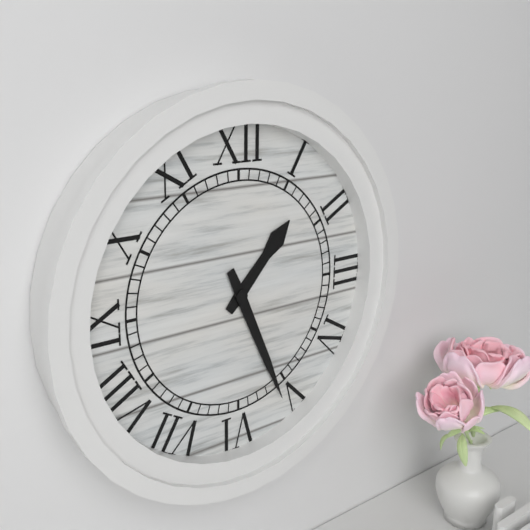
1:26
